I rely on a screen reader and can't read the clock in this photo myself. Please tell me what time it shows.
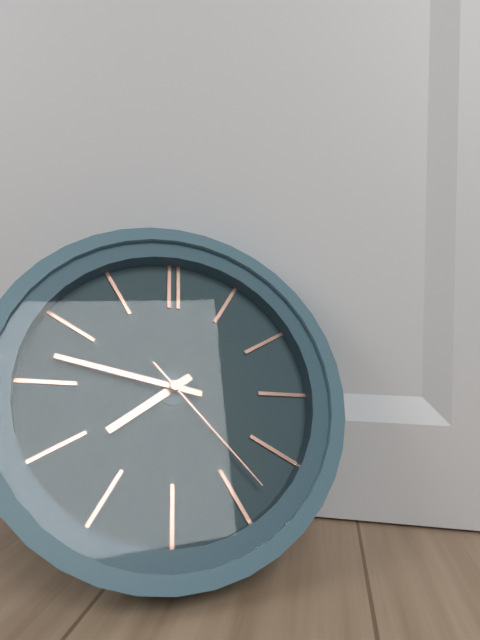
7:47:23
